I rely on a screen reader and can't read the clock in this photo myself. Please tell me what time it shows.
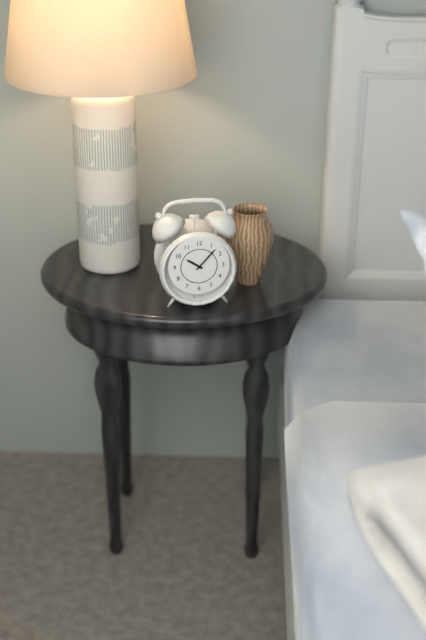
10:07
